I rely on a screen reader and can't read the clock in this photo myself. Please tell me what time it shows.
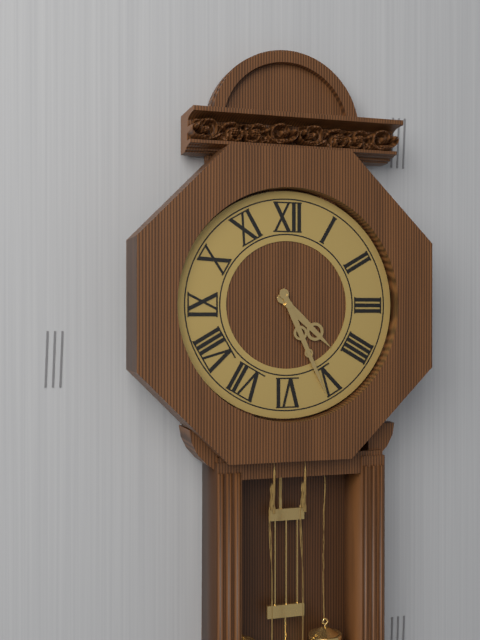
4:26
